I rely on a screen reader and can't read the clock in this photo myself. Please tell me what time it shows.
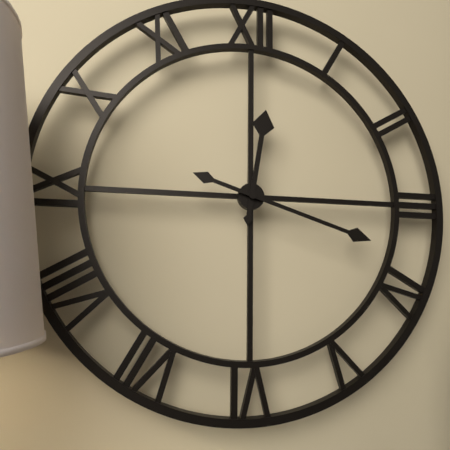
12:18
